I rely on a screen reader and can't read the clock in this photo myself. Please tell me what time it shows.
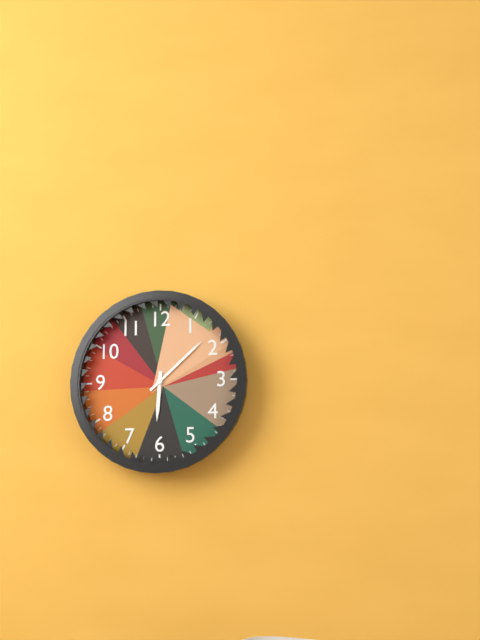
6:08
